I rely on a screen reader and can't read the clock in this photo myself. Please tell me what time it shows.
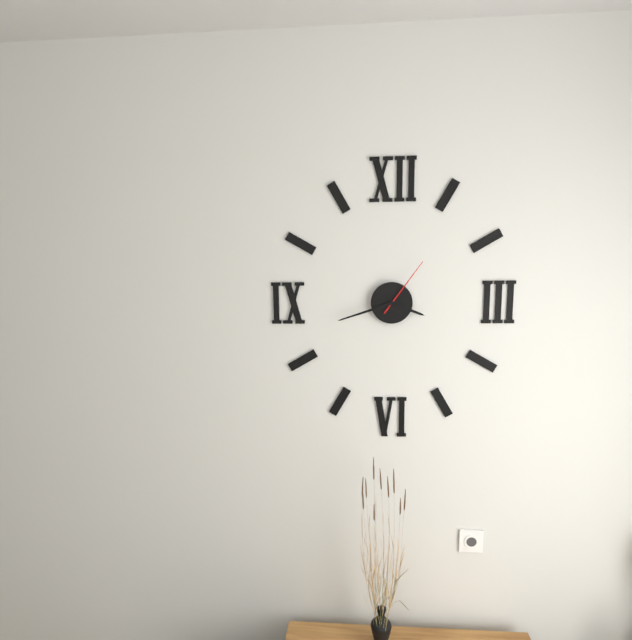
3:42:06
